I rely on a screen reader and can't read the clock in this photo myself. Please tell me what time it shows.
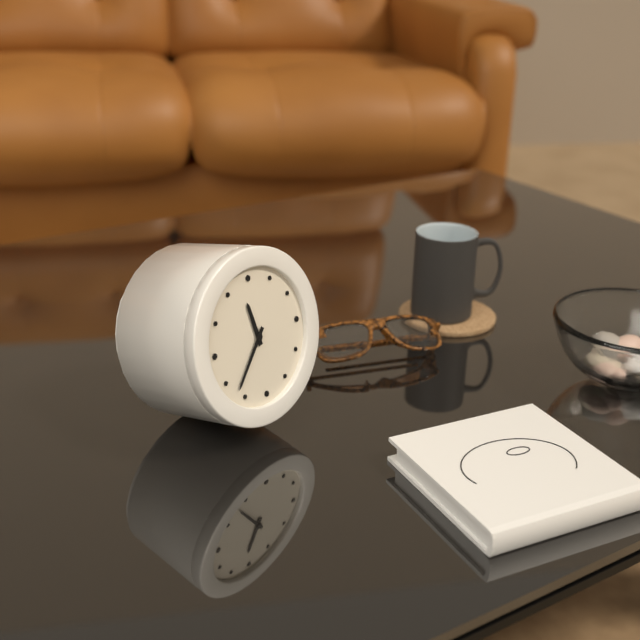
11:37
